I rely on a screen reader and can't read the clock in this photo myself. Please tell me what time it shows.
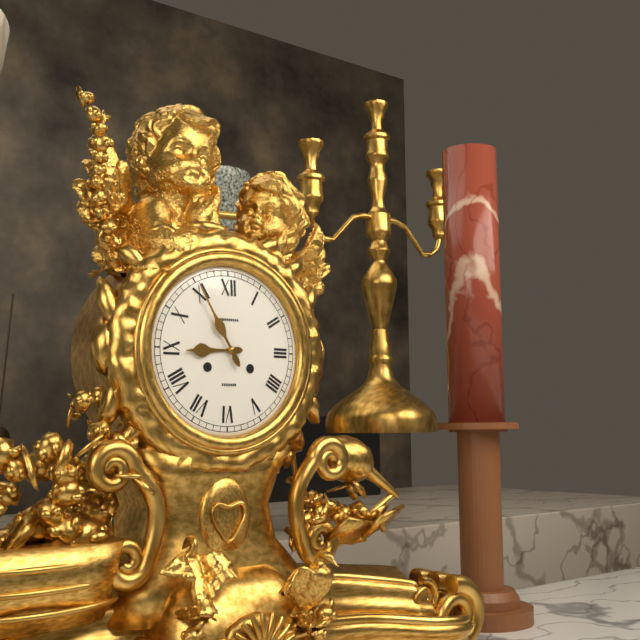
8:55
